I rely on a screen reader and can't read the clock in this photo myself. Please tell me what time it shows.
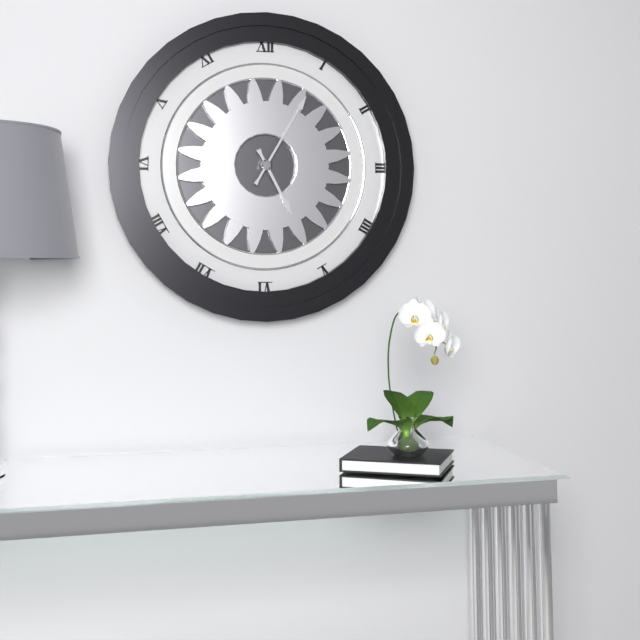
5:05
